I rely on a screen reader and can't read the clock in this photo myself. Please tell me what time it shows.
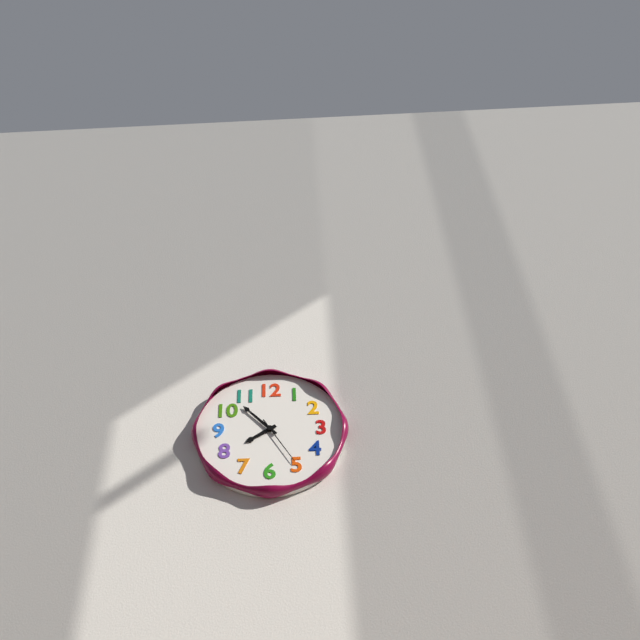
7:53:25
